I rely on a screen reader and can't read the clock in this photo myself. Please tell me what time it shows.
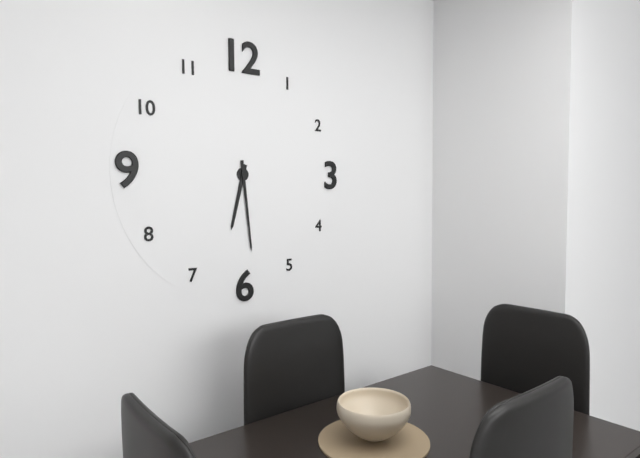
6:29
